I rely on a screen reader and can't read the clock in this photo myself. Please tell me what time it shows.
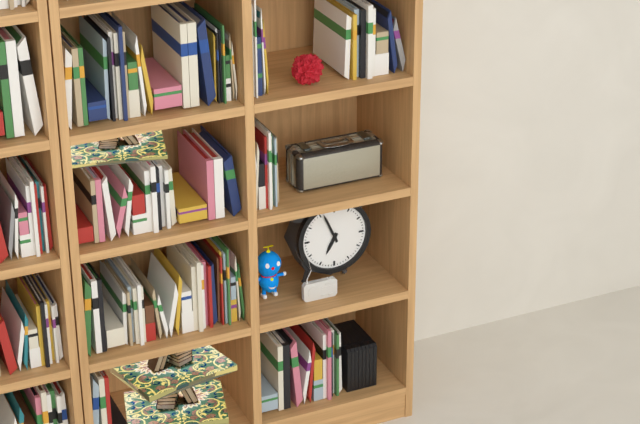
6:56
